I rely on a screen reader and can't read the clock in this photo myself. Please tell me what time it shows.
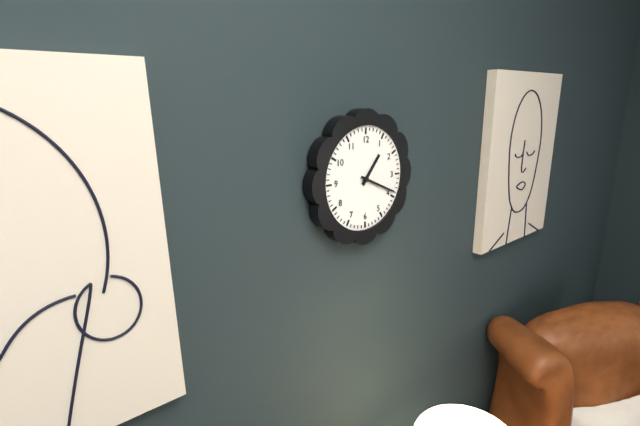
1:19
